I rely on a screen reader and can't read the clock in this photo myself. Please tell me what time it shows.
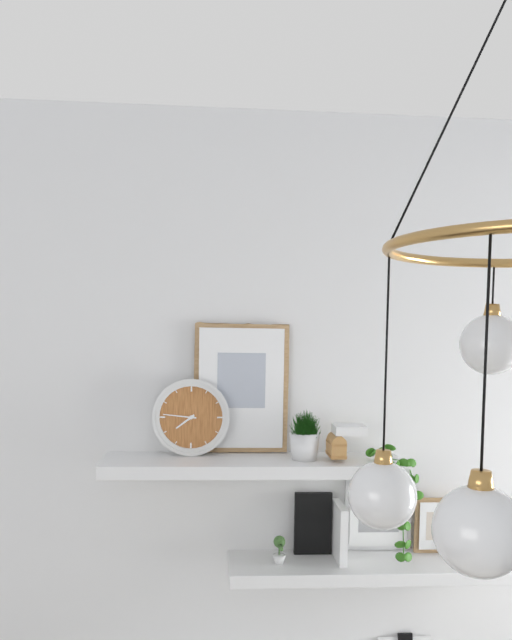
7:46
